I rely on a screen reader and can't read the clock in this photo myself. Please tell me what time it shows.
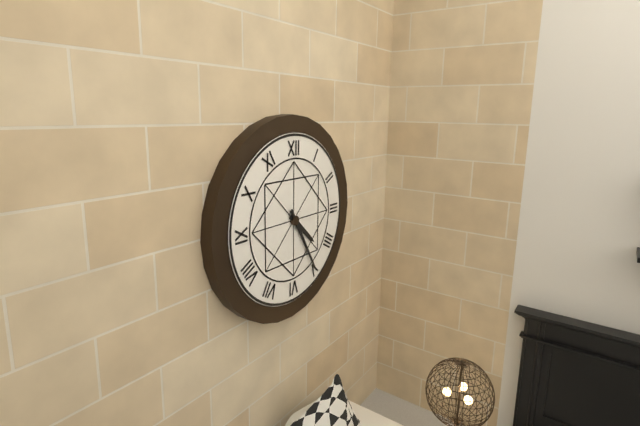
4:25
